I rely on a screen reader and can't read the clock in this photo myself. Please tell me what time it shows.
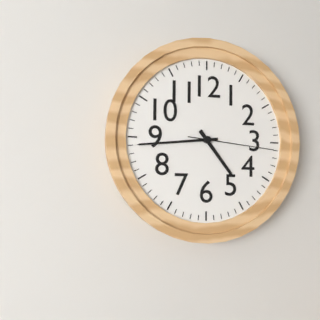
4:44:16
